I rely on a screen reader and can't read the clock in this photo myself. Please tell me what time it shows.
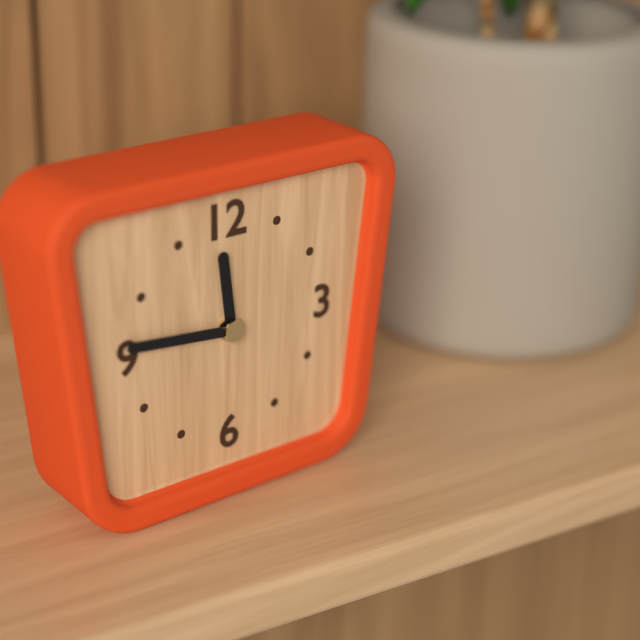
11:46
